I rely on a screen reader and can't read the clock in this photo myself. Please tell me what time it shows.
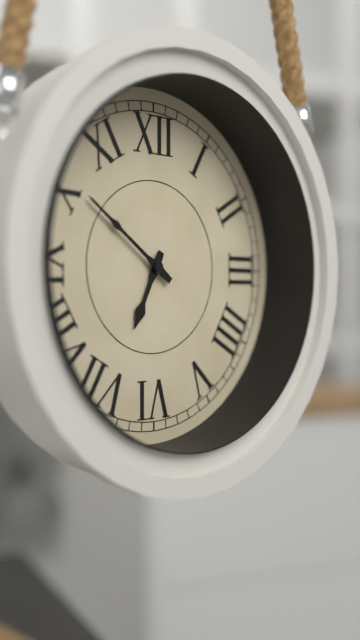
6:51
